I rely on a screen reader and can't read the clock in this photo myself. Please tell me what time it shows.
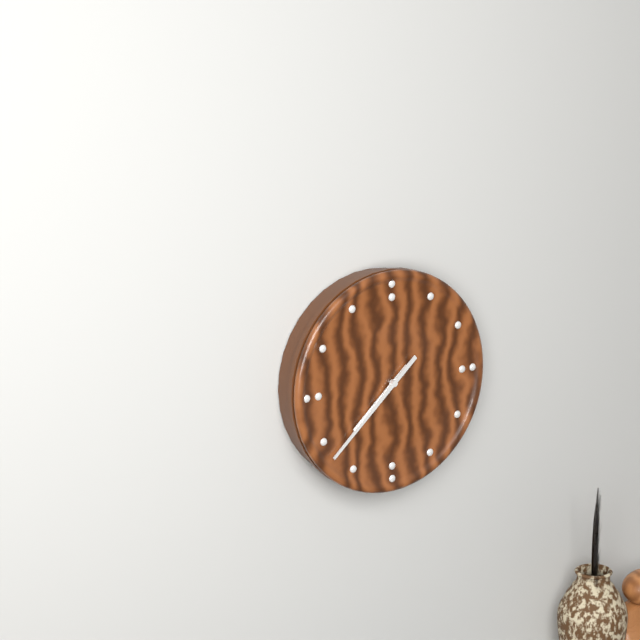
7:38
